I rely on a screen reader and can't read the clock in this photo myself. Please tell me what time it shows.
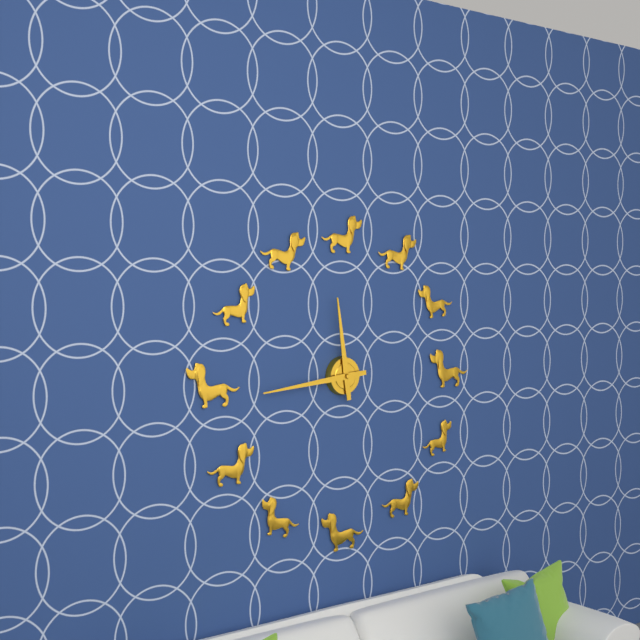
11:44
